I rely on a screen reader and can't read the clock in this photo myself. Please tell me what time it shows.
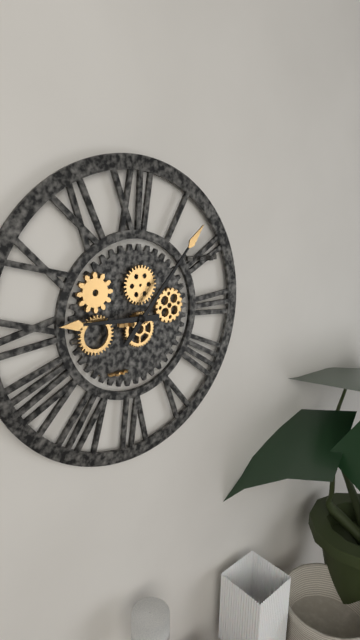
9:07
